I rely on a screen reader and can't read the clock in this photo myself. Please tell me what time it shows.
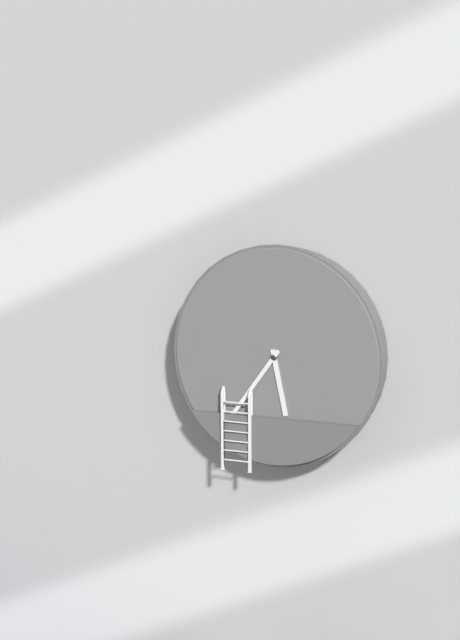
5:36
